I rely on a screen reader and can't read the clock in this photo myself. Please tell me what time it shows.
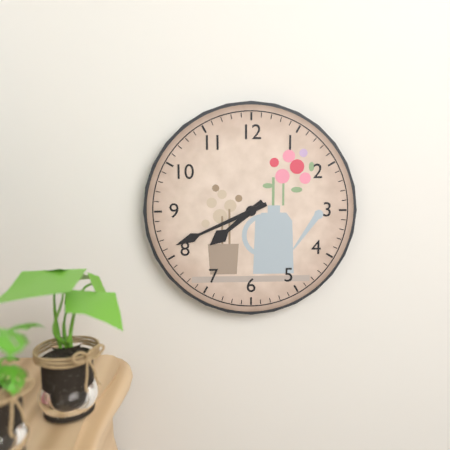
7:41
